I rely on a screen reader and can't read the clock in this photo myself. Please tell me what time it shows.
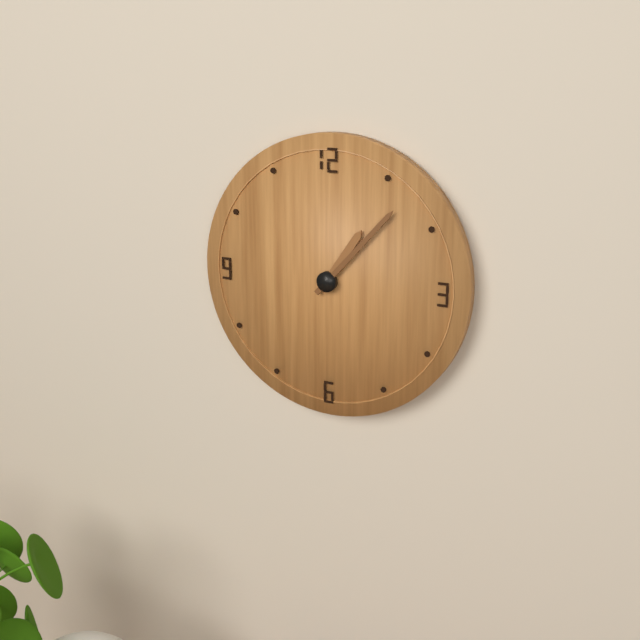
1:07
